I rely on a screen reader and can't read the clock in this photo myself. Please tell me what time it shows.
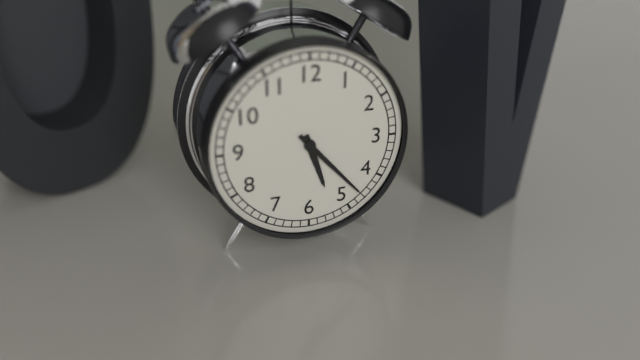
5:23
